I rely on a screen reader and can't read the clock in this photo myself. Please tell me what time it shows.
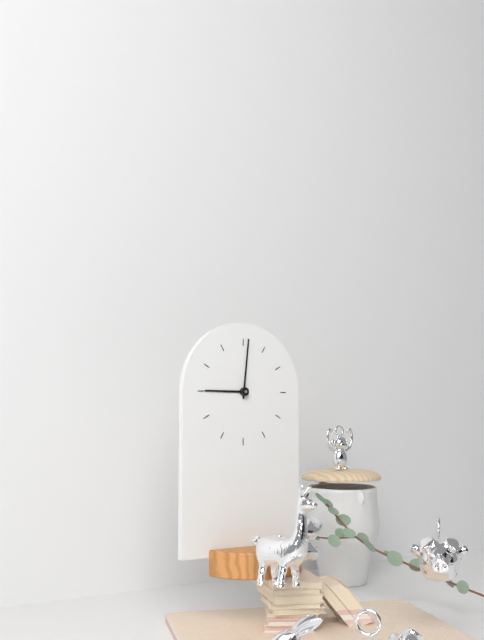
9:01
